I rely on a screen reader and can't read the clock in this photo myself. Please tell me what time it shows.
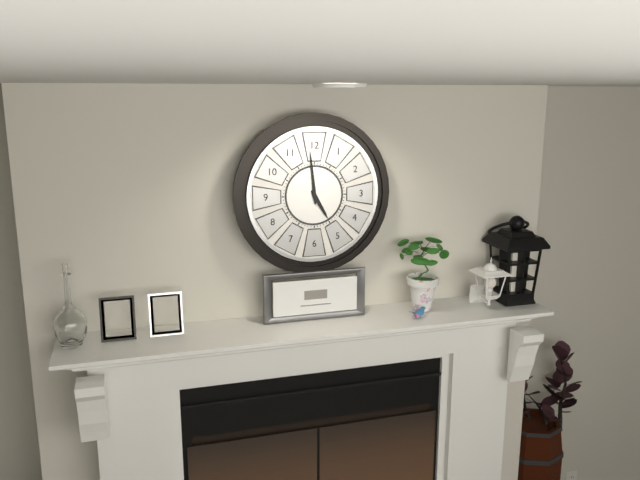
4:59
